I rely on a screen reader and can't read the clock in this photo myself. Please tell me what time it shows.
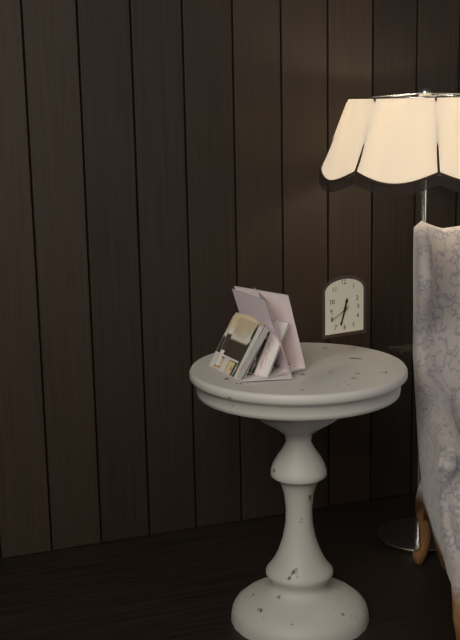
12:33
